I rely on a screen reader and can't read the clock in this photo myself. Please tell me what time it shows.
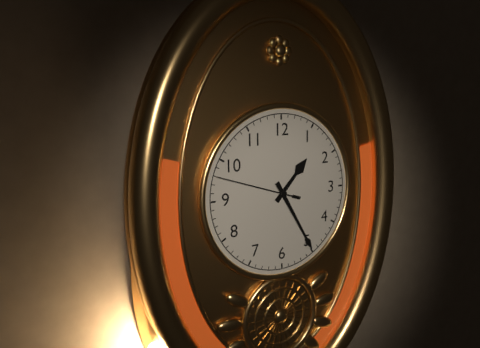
1:25:48
